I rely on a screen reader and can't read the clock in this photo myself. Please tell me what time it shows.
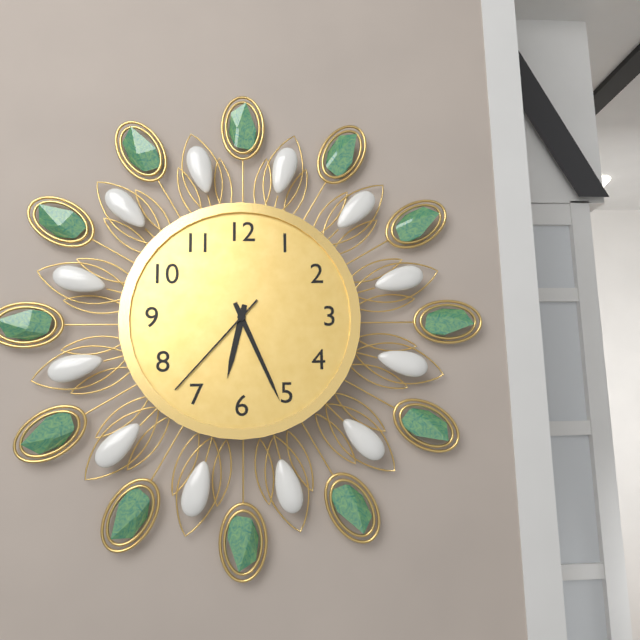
6:26:37
